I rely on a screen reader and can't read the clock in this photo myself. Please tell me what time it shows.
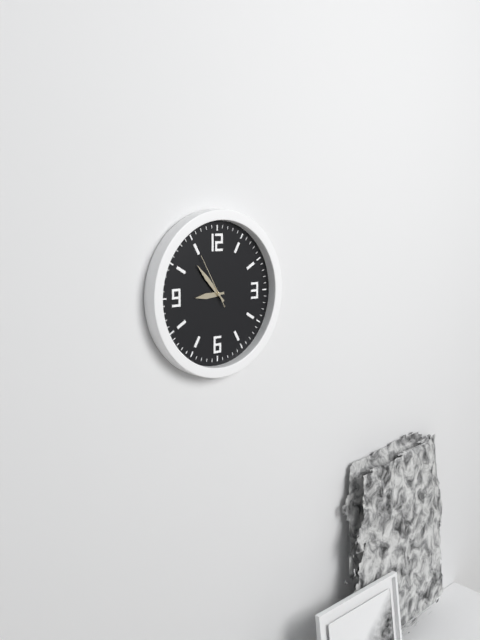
8:53:55
